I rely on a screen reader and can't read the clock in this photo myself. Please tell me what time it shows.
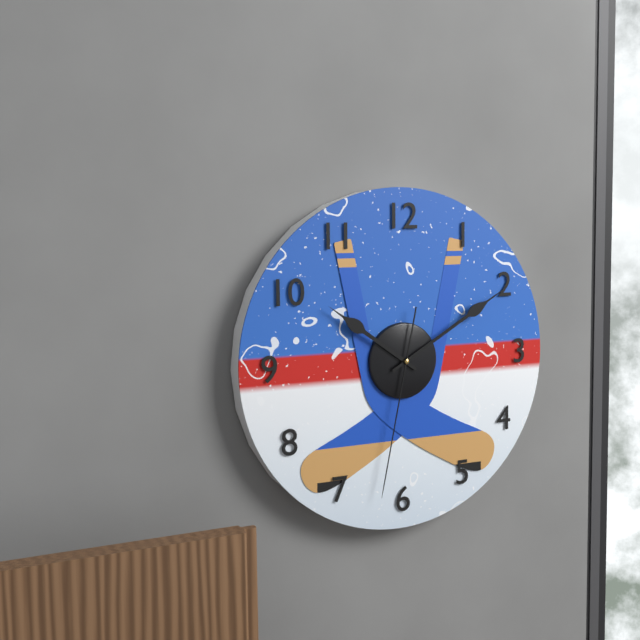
10:10:32
